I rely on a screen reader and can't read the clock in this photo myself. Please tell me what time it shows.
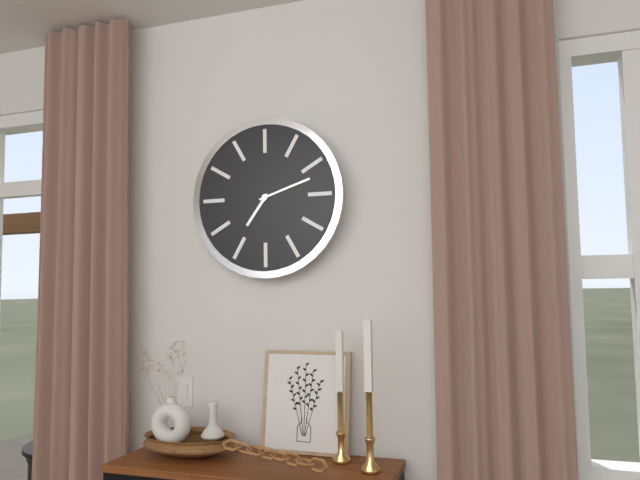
7:12
